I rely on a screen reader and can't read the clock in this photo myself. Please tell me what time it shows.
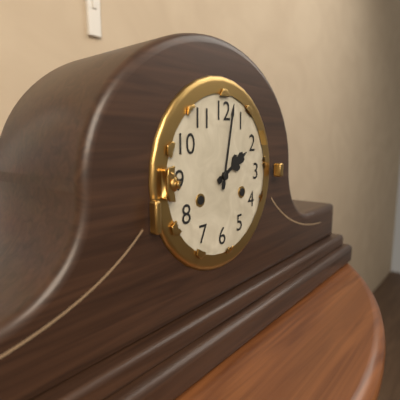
2:02
